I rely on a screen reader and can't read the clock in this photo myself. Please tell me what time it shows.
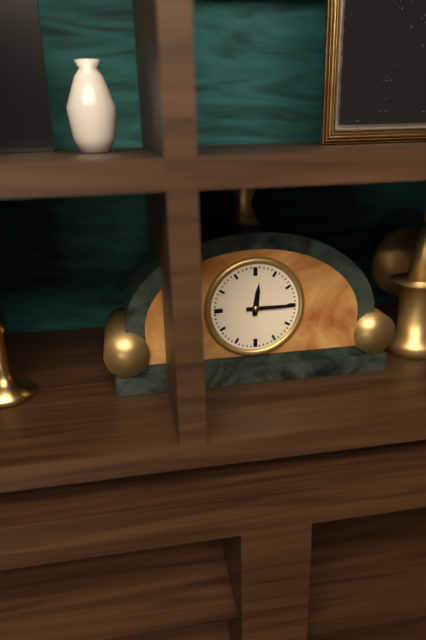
12:15
